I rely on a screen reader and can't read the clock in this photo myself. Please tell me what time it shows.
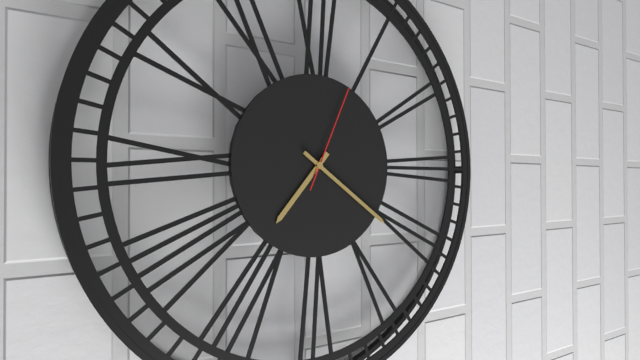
7:21:04
